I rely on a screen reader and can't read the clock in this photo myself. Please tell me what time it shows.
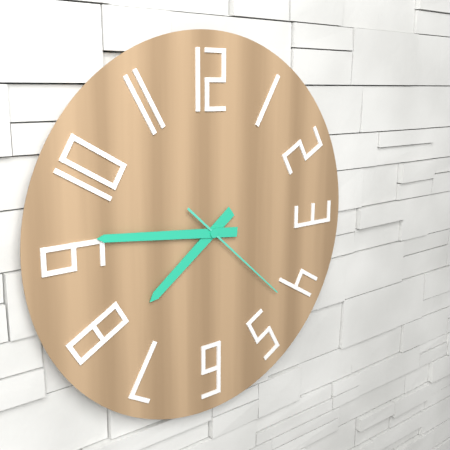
7:46:22
